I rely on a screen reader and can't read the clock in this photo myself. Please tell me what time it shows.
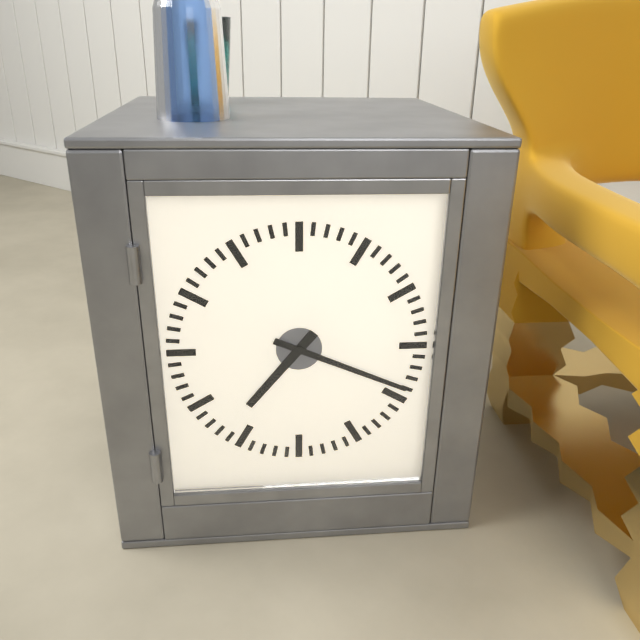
7:19
